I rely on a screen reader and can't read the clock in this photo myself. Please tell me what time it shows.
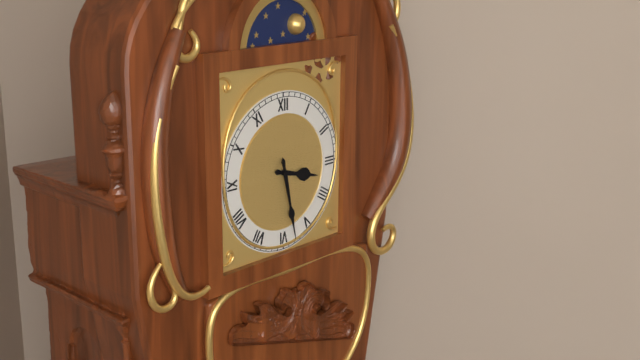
3:28
